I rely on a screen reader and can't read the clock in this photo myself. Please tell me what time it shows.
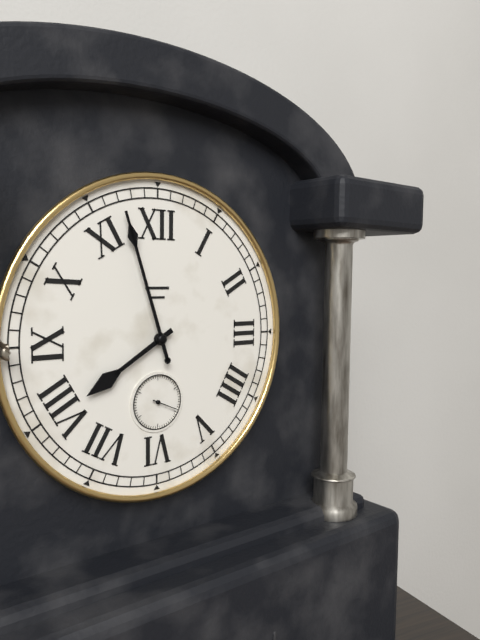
7:57
